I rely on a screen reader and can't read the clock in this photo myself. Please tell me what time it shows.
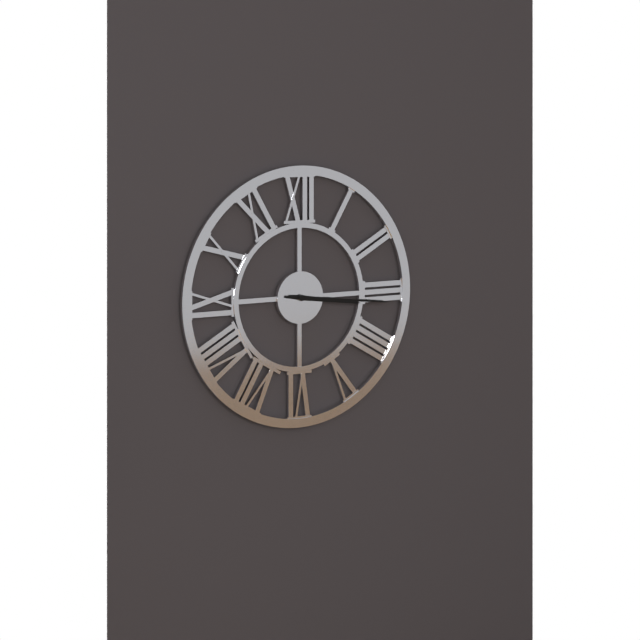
3:16
